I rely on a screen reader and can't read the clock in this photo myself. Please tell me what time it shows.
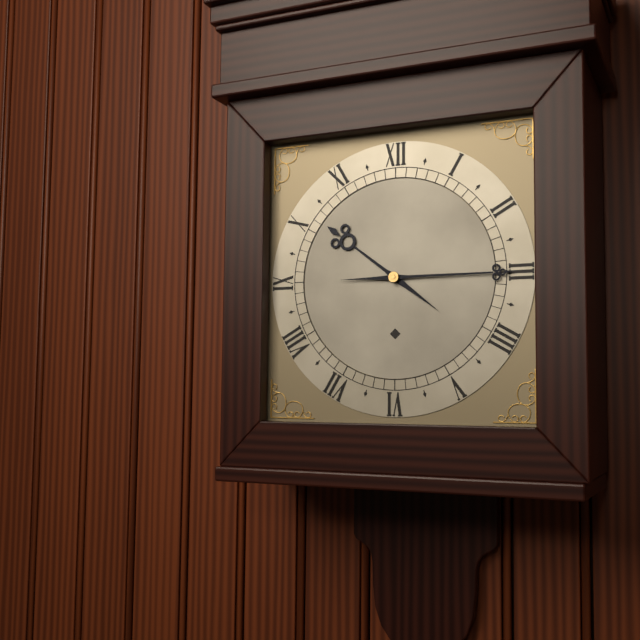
10:15
